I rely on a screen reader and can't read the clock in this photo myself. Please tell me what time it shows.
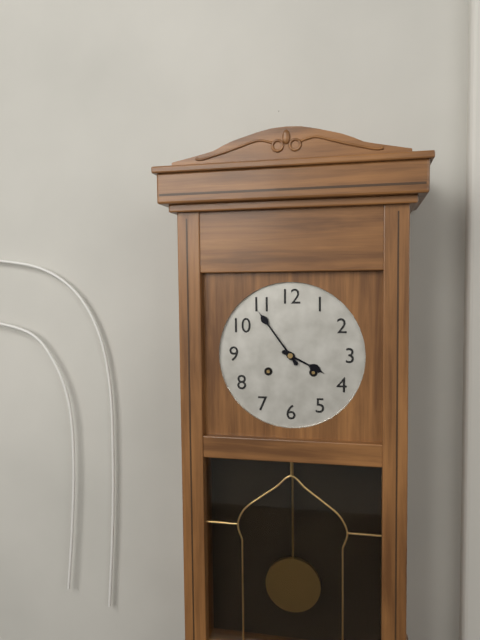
3:54
